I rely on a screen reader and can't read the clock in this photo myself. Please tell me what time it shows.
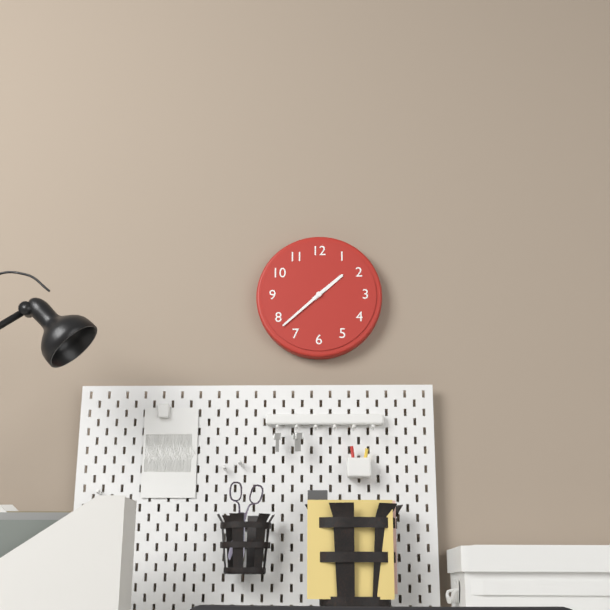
1:38
